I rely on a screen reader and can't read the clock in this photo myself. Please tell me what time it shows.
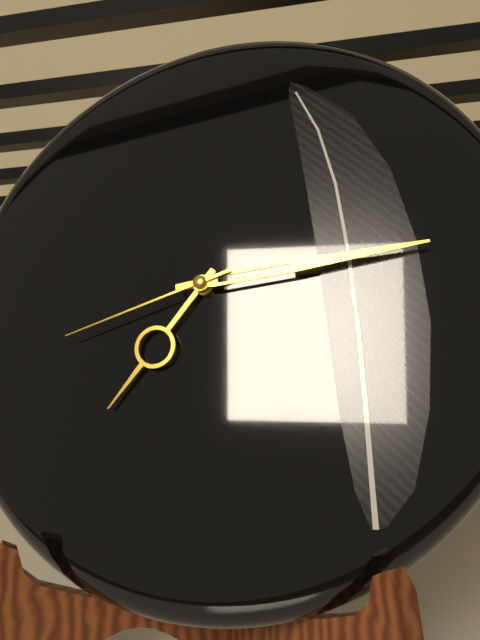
7:14:42
